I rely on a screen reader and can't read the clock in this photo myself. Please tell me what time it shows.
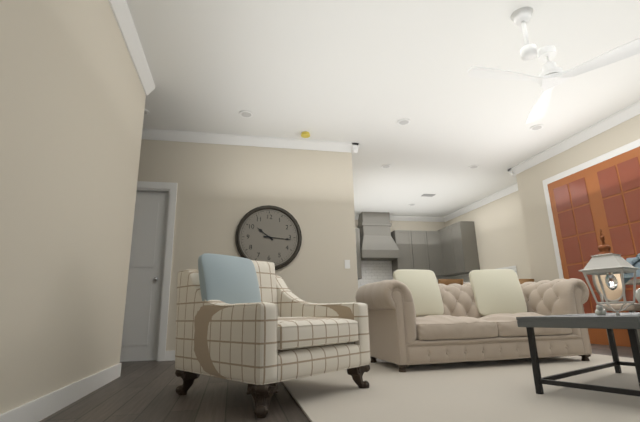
10:16
